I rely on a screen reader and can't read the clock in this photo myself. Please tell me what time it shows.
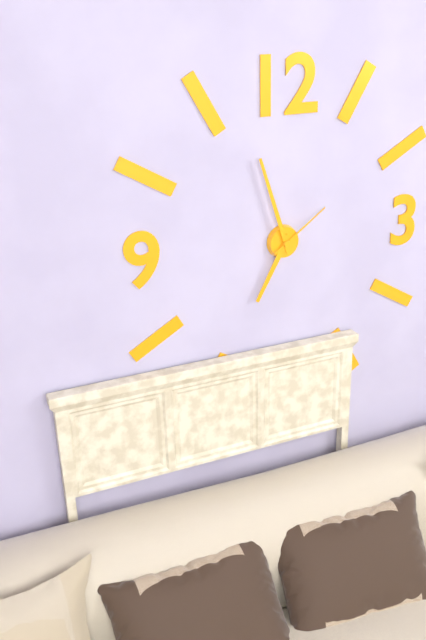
6:57:09
